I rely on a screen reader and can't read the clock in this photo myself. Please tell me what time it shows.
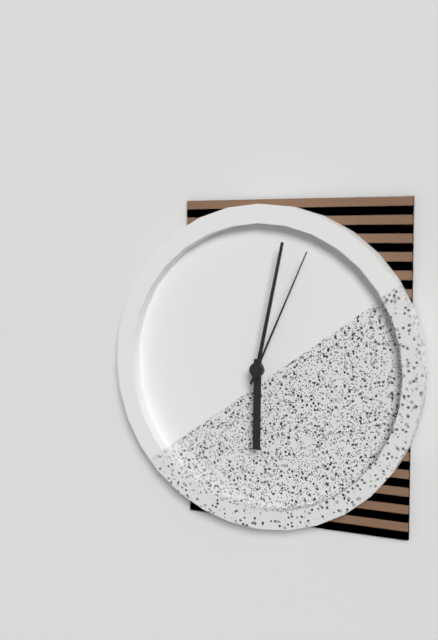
6:02:04
